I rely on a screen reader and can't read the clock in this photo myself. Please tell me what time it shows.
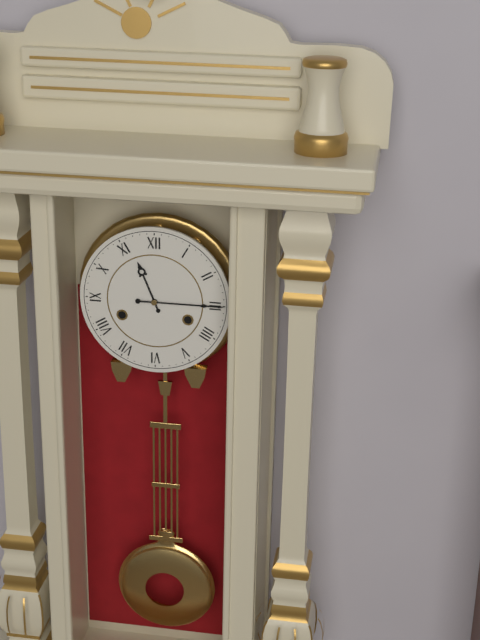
11:15
